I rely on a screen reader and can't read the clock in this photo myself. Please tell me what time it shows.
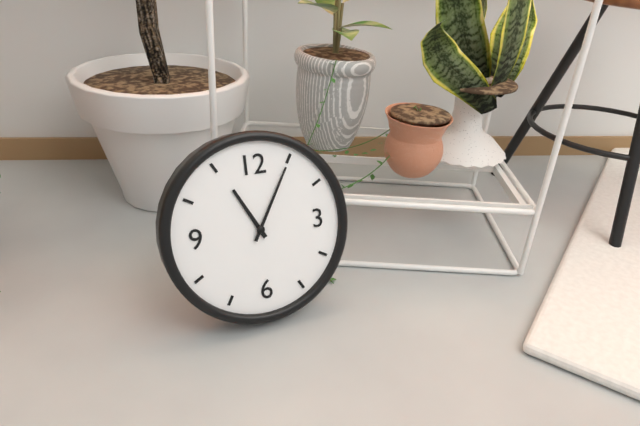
11:05
